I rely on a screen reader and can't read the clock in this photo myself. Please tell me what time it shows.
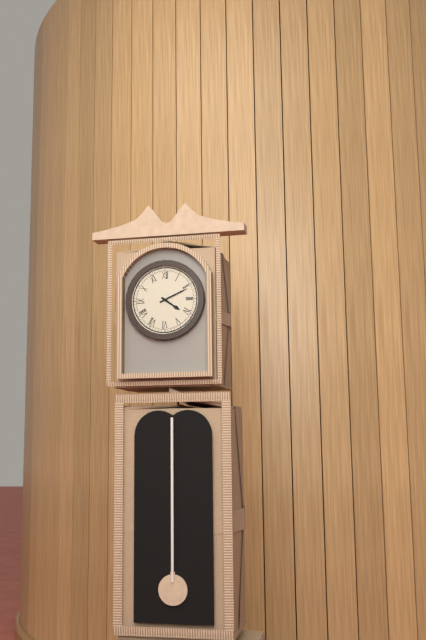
4:11
